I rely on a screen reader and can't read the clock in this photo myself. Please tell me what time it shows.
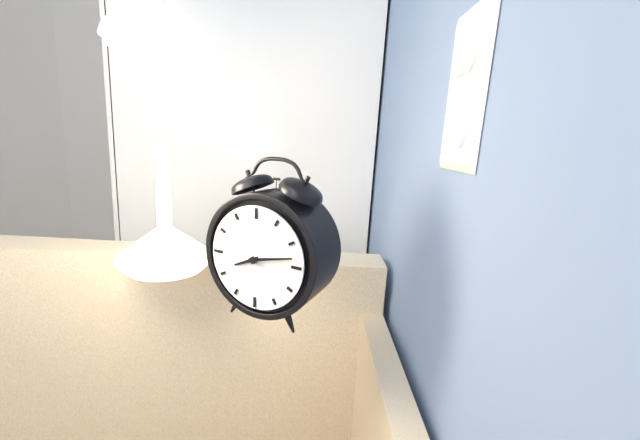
8:13
